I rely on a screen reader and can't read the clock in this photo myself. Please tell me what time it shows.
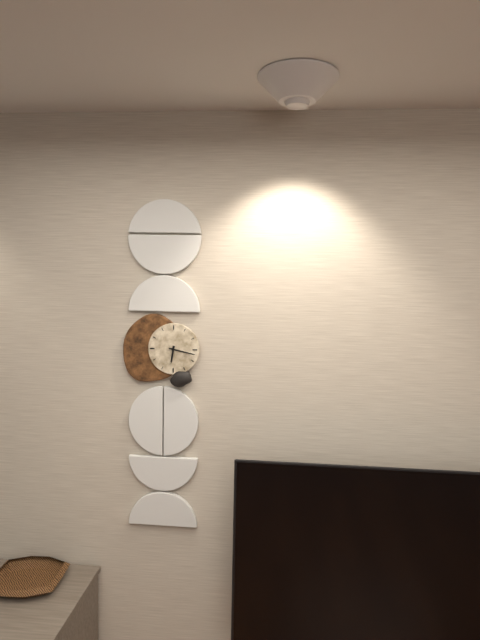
6:17
